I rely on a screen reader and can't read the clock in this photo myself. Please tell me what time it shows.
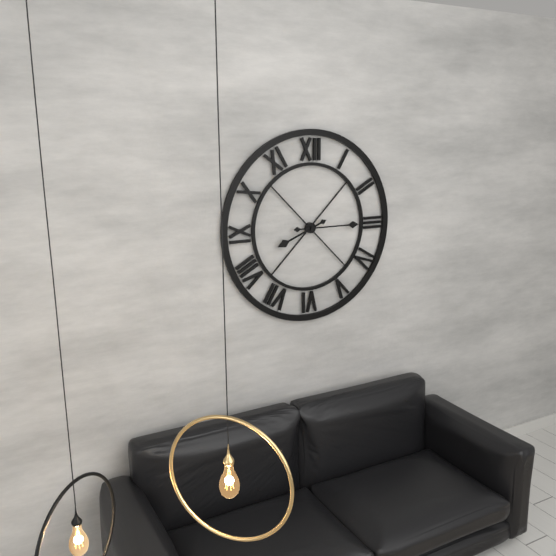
8:15
